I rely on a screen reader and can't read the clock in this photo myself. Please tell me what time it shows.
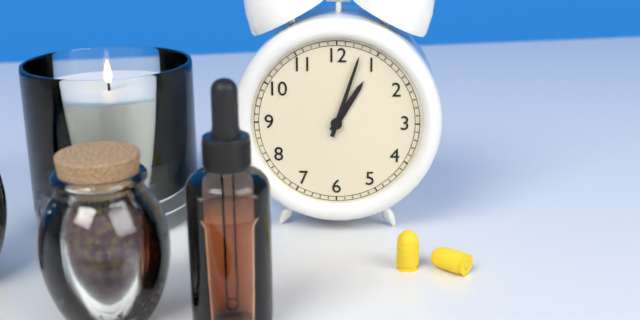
1:03
